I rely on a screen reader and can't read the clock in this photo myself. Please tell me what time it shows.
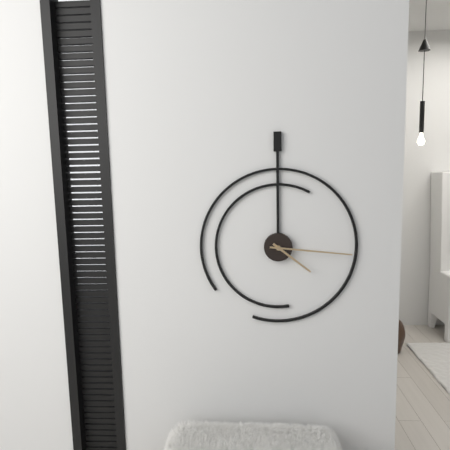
4:16
